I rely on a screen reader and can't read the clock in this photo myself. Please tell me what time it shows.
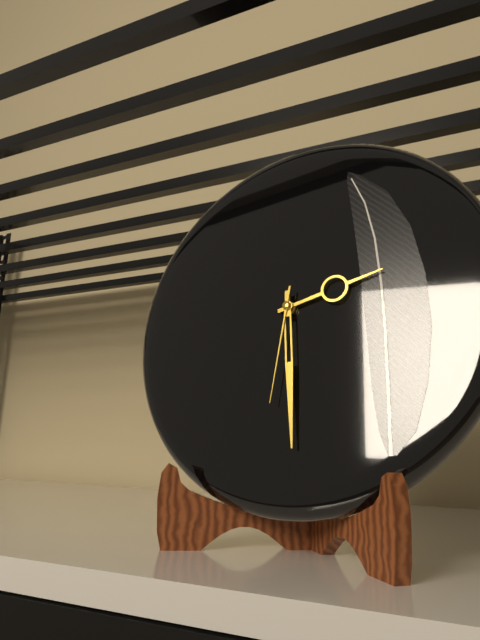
2:29:31
